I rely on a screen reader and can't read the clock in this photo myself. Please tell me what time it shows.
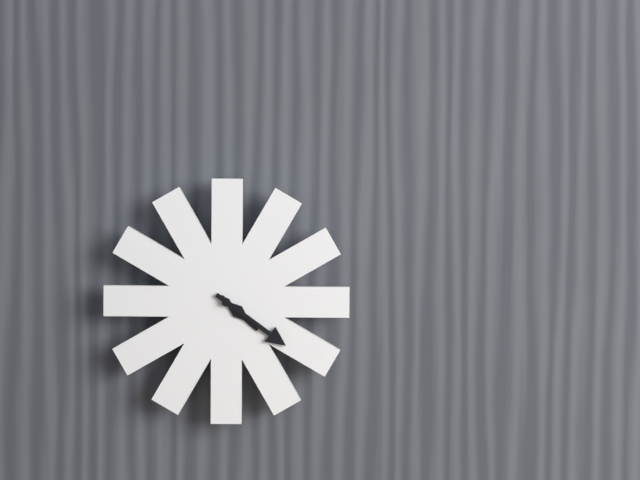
4:21
